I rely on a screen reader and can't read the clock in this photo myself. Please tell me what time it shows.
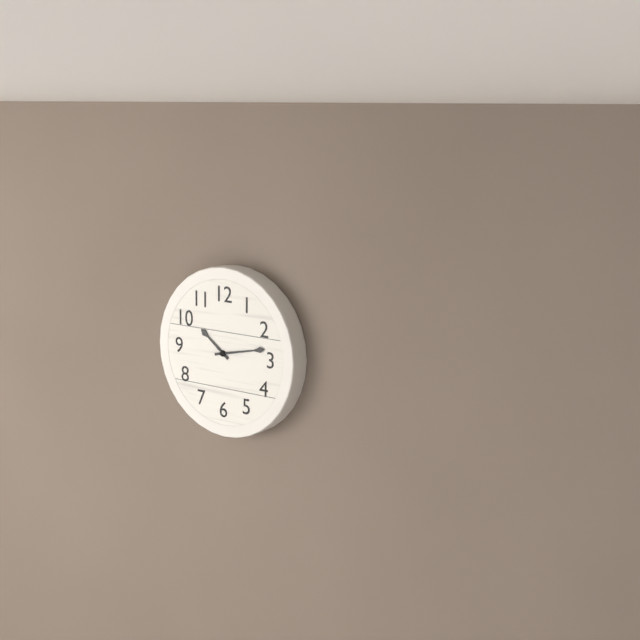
10:13
